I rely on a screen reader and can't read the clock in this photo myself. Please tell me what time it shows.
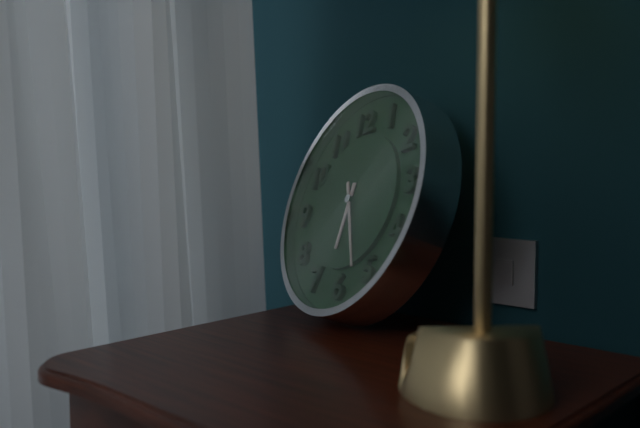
6:27
